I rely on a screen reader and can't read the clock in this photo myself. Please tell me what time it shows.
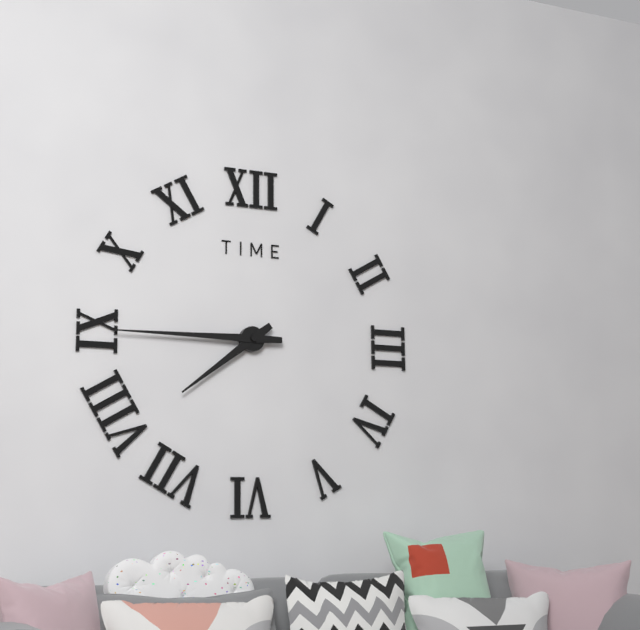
7:45
